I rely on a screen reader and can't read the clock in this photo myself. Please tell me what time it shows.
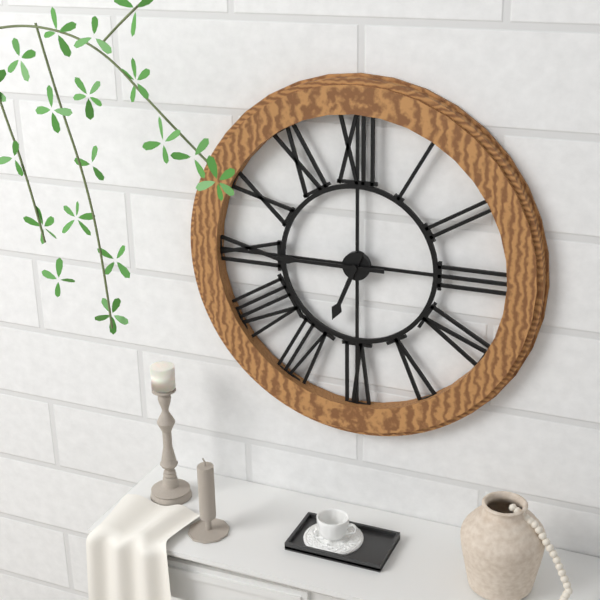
6:45
